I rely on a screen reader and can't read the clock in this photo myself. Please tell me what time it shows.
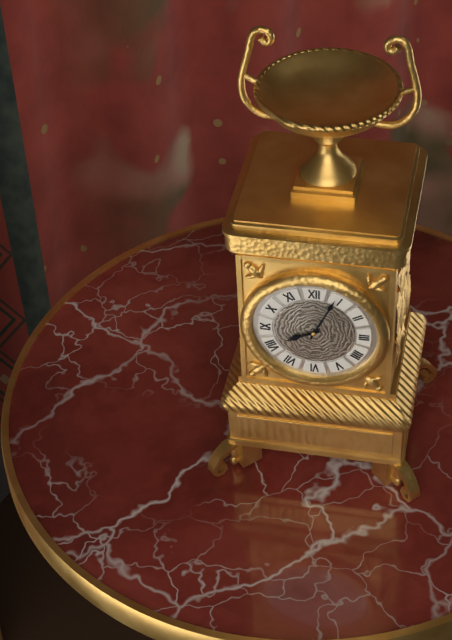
8:04
